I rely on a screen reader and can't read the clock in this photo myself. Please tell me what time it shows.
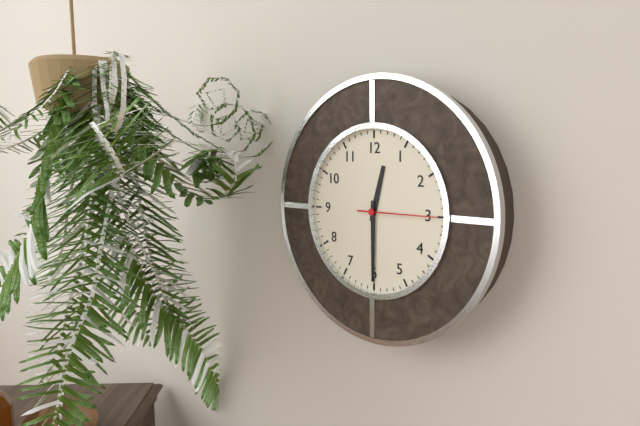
12:30:15
